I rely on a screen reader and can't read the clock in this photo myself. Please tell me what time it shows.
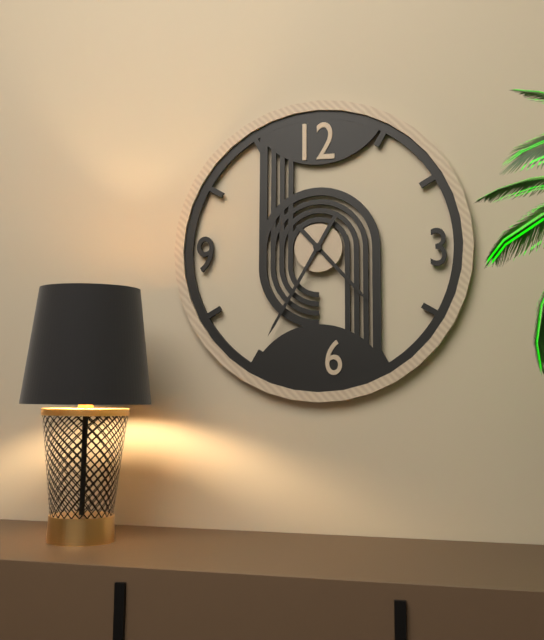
4:35
